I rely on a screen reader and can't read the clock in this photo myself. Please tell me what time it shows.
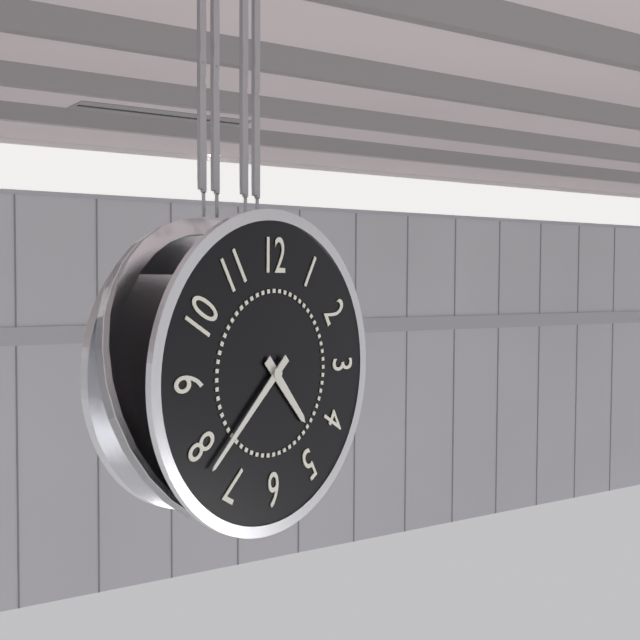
4:38
